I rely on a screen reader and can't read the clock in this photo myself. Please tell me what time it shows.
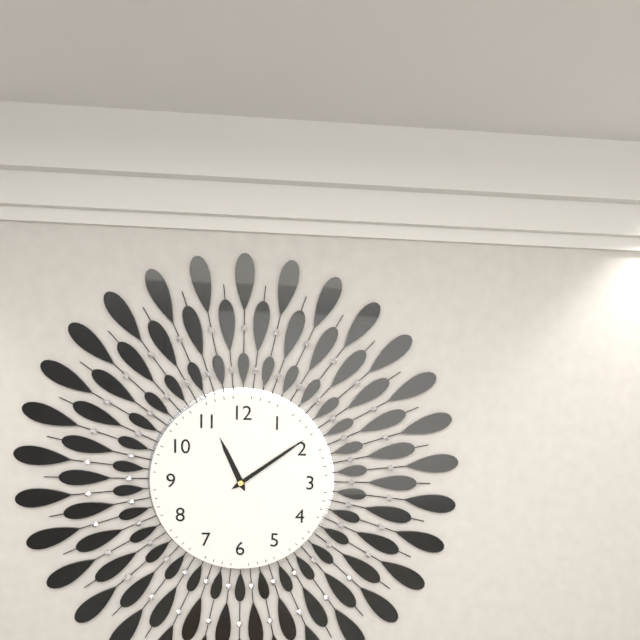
11:09
